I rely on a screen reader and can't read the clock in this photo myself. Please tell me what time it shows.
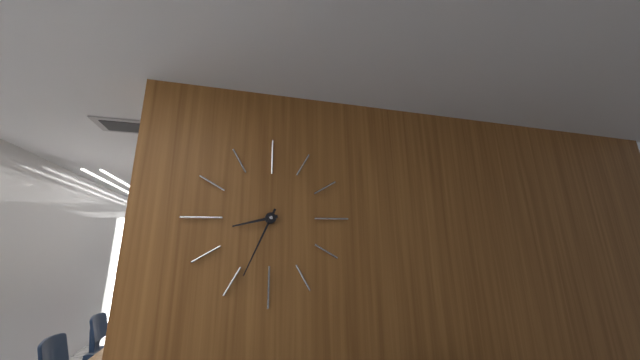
8:34
